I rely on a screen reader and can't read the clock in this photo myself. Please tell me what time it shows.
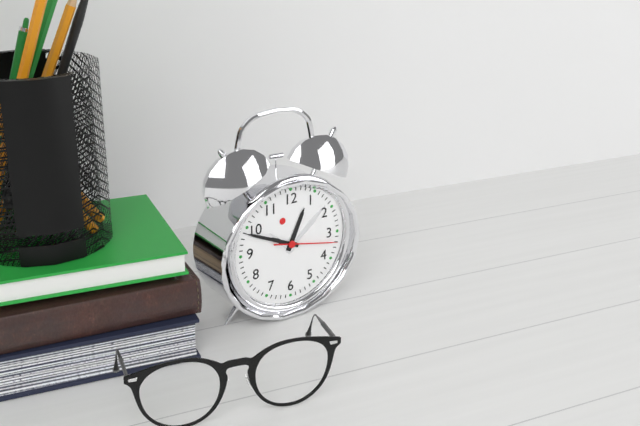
12:49:17
